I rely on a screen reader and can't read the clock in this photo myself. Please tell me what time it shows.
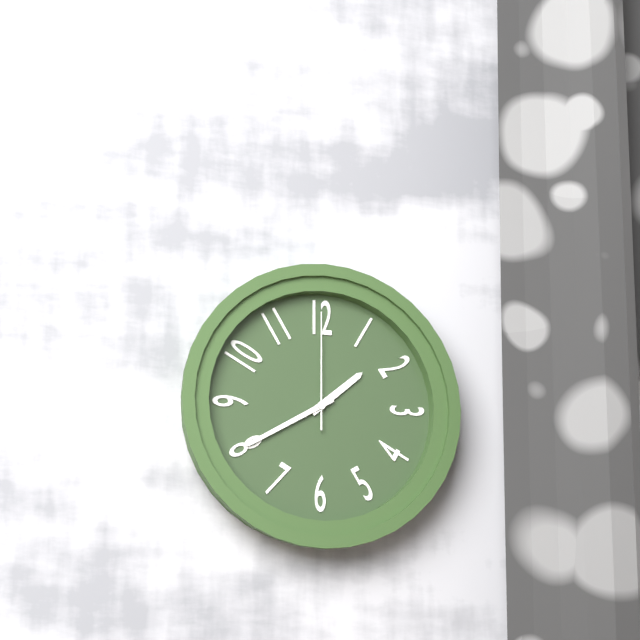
1:40:00
